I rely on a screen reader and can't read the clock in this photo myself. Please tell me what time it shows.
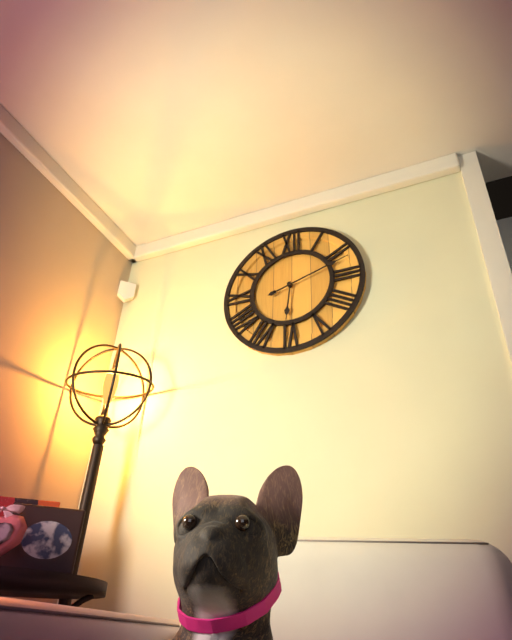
6:12
